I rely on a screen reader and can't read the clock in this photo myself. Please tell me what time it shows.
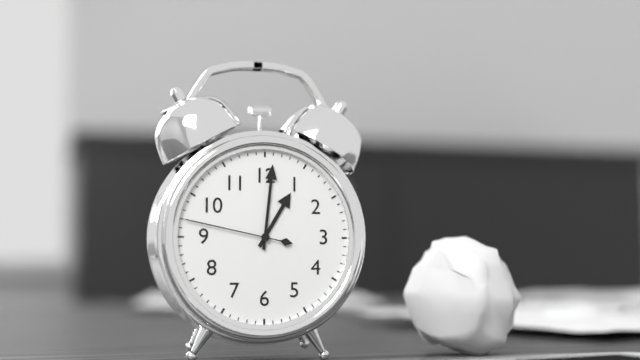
1:01:47
